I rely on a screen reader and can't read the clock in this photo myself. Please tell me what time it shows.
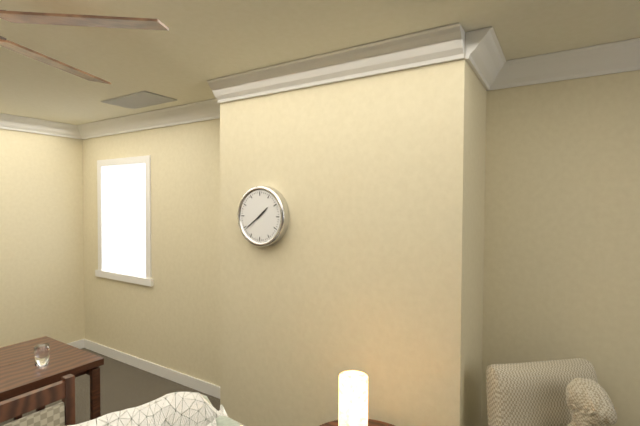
1:39
